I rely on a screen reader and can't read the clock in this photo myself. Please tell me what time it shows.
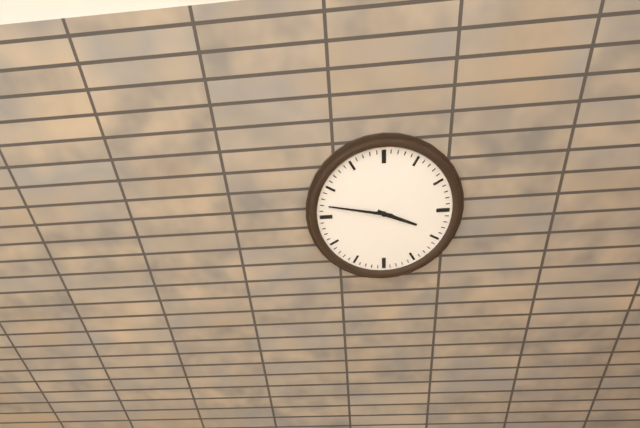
3:47
